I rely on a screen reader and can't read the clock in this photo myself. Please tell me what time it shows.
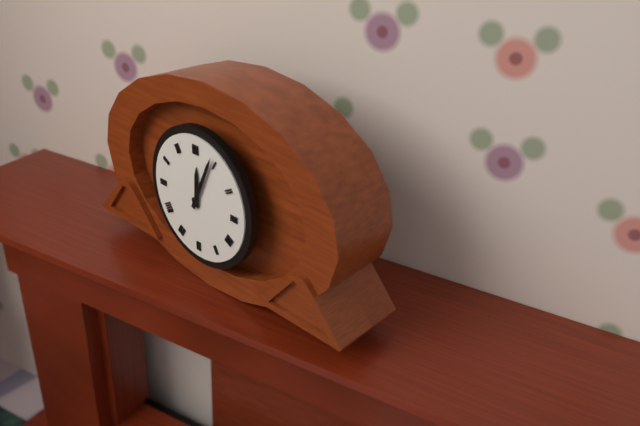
12:04
